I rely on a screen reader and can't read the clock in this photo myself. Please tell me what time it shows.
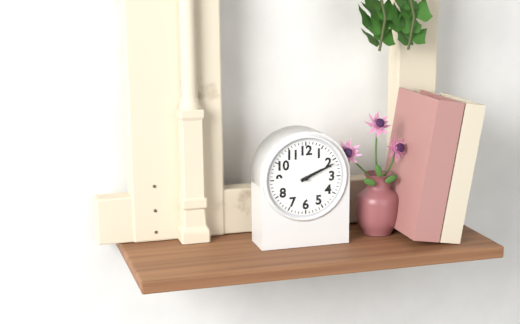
2:11
